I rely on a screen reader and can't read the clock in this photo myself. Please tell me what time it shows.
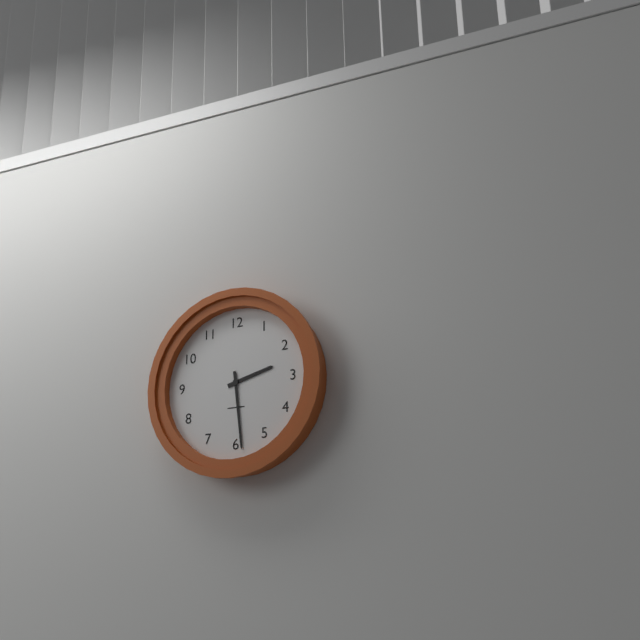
2:29
